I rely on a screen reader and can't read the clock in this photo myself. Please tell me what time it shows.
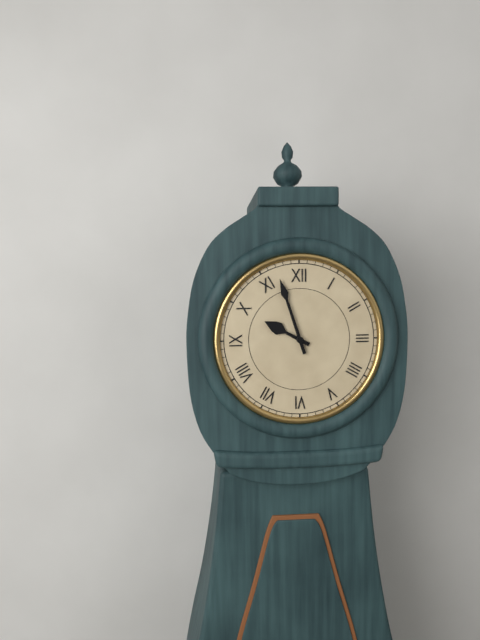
9:57
